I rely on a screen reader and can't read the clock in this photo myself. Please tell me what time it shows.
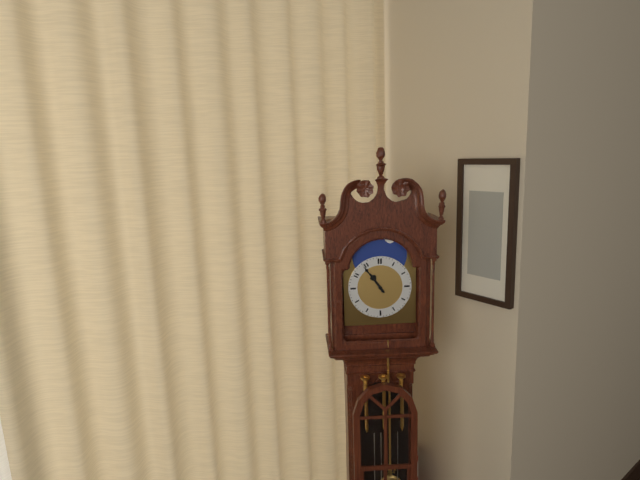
10:54
